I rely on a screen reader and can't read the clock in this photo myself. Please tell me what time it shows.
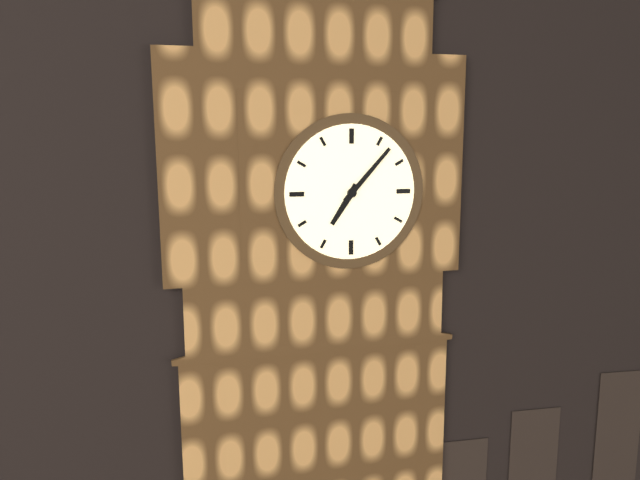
7:07
